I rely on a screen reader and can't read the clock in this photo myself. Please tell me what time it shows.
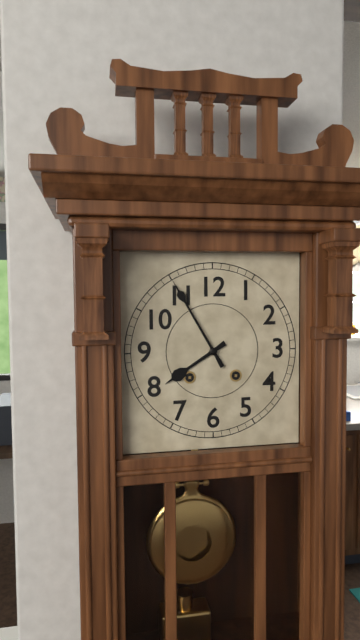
7:55
